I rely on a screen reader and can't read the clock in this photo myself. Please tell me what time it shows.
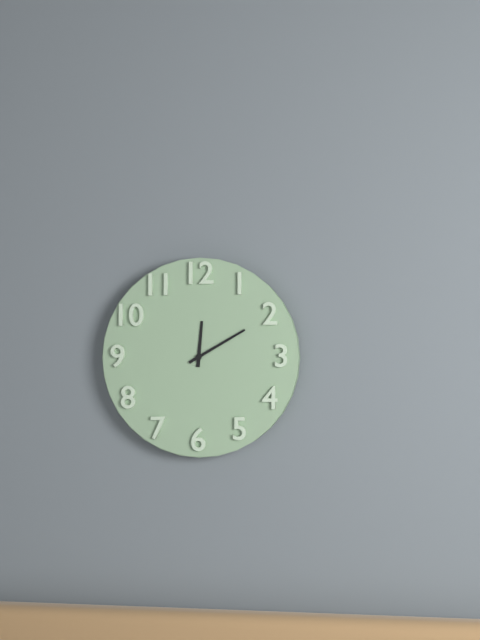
12:10
